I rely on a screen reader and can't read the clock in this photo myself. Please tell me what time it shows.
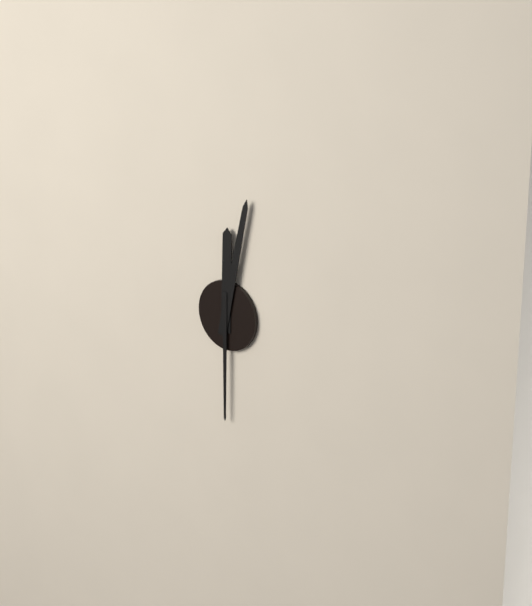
12:02:30
